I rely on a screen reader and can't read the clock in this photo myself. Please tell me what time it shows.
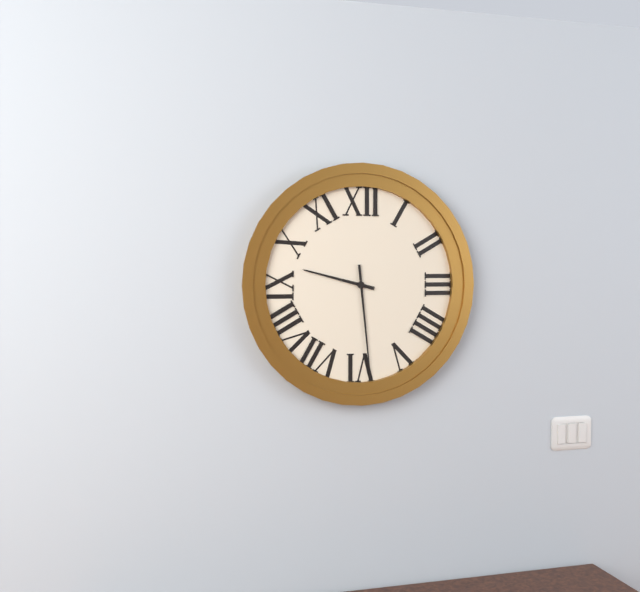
9:29
